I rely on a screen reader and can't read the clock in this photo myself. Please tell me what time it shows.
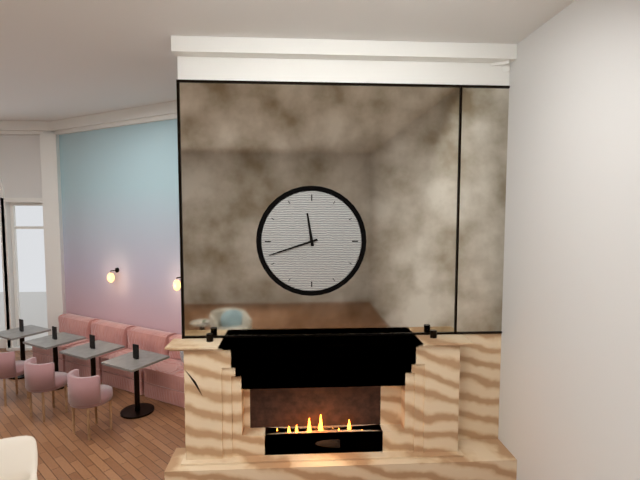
11:42
